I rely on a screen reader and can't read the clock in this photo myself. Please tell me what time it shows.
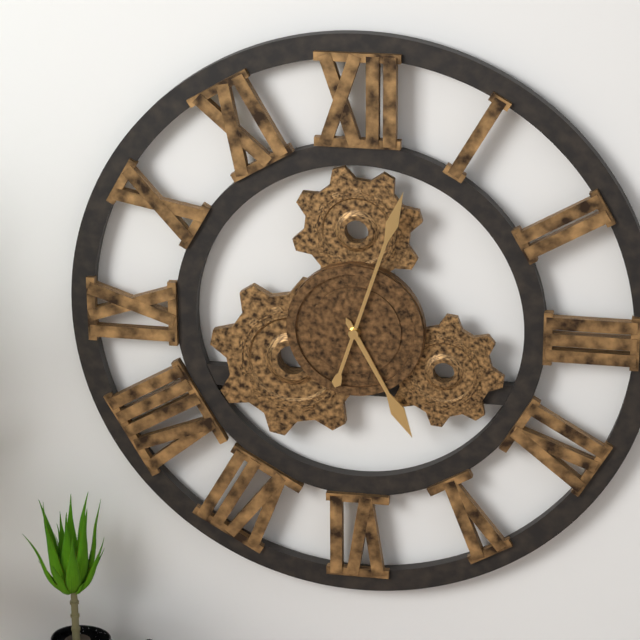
5:03
